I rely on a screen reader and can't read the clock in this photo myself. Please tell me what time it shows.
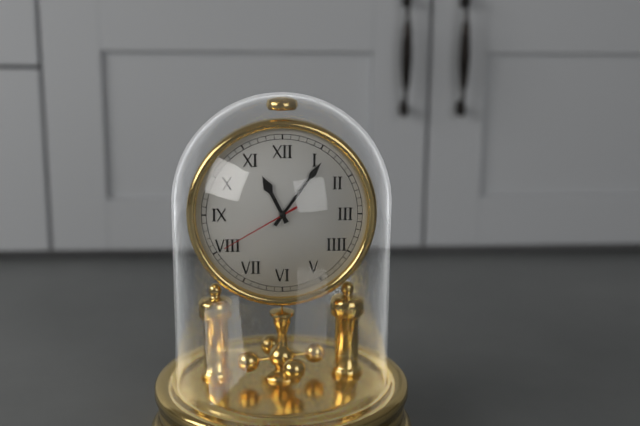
11:06:40
